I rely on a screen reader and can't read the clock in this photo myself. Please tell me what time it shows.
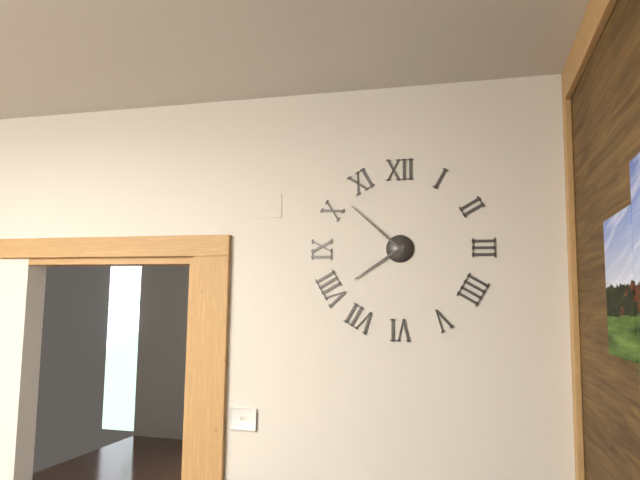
7:52
